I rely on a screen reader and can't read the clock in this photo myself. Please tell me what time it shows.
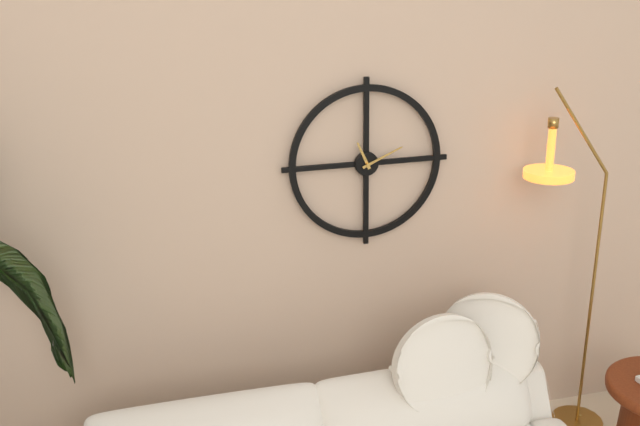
11:11
